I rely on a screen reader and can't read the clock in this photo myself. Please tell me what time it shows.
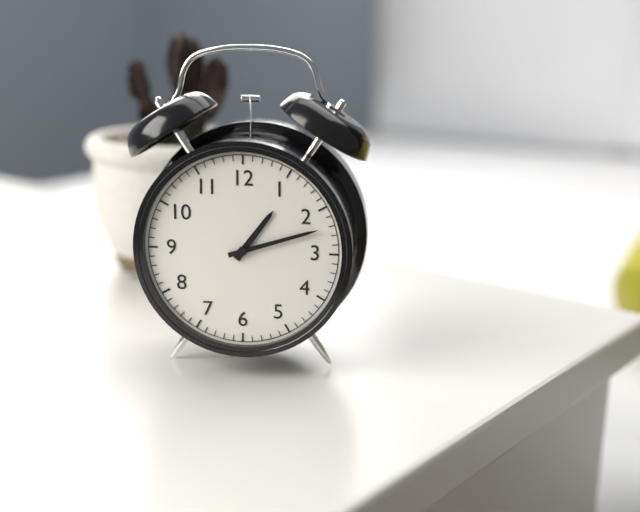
1:12
